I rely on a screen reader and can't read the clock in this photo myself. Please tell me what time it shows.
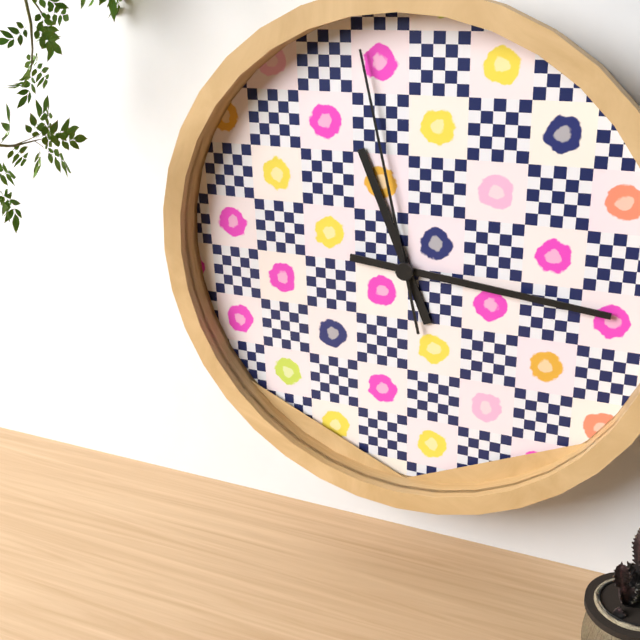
11:16:58
